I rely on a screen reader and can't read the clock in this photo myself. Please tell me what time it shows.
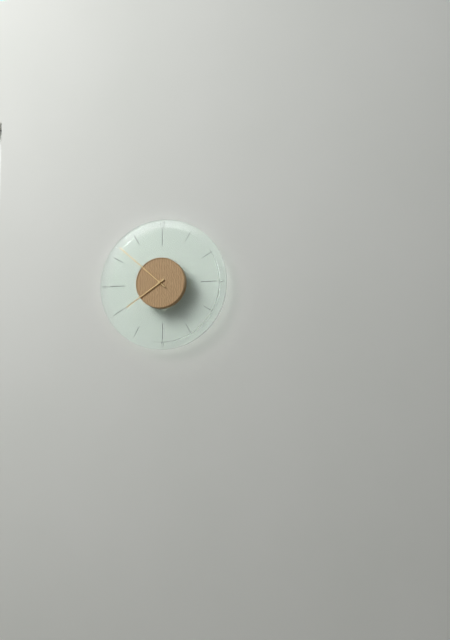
7:52
